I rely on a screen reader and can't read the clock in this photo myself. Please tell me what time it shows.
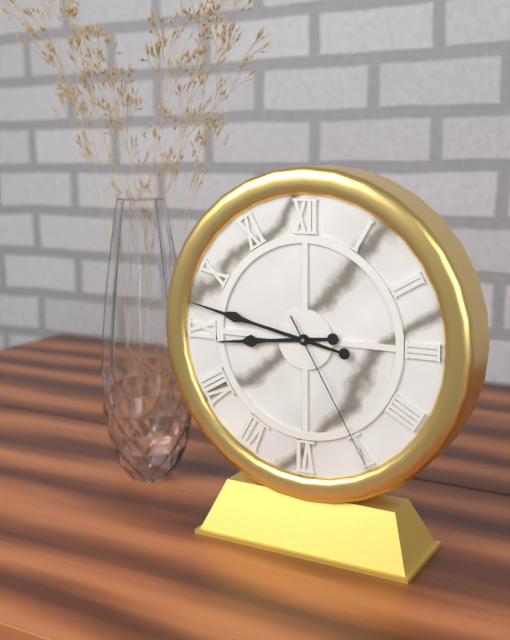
8:47:25
